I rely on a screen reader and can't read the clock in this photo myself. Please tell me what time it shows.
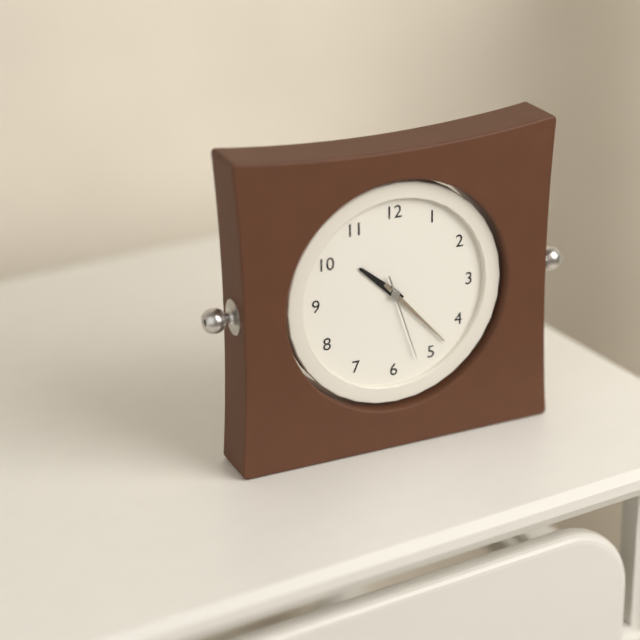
10:23:27
